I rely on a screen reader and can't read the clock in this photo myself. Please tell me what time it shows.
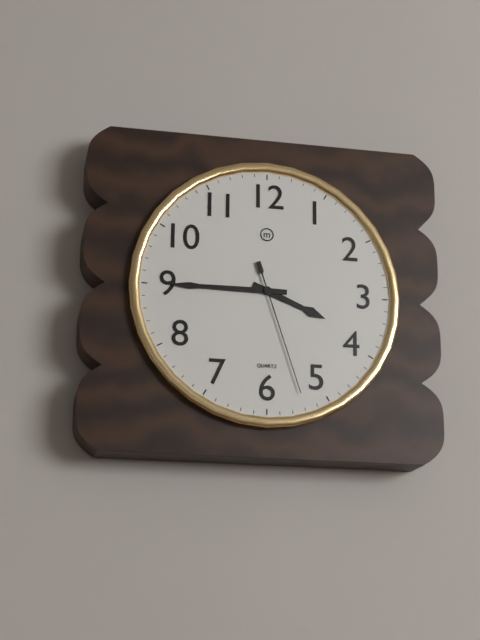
3:45:27
